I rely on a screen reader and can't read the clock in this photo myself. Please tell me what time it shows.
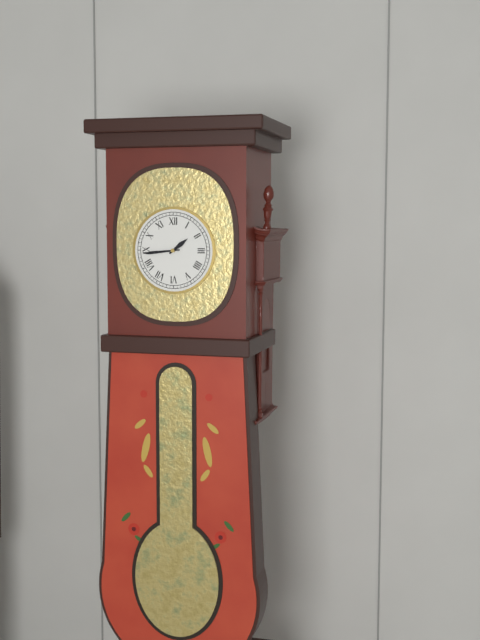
1:44
